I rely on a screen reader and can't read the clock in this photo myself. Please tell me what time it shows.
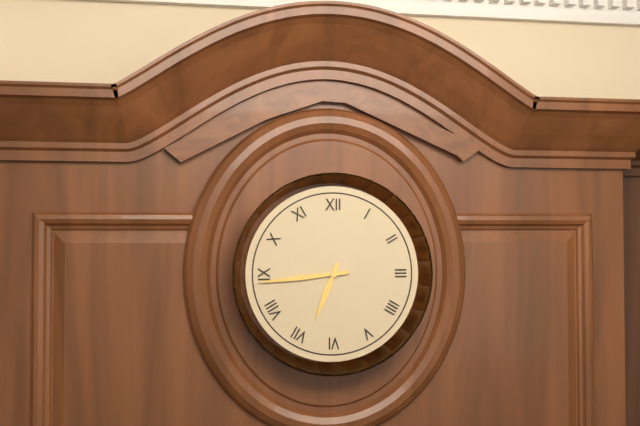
6:44
